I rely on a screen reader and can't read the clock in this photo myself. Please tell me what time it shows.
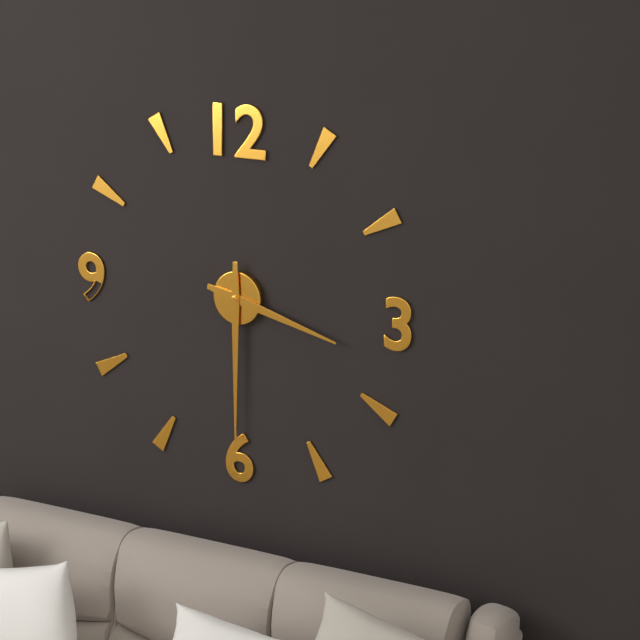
3:30
